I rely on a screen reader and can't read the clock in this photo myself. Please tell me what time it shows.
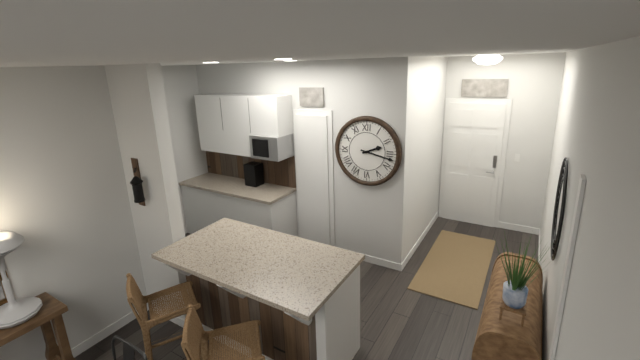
2:17
